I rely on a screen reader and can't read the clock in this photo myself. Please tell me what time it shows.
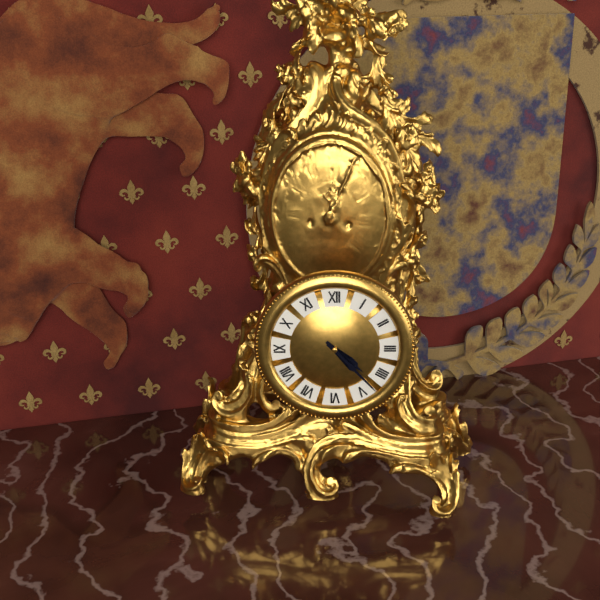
4:23
